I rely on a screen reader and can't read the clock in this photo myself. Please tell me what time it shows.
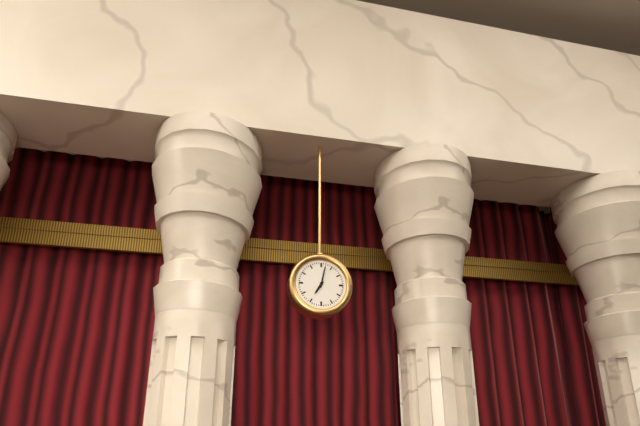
7:02
